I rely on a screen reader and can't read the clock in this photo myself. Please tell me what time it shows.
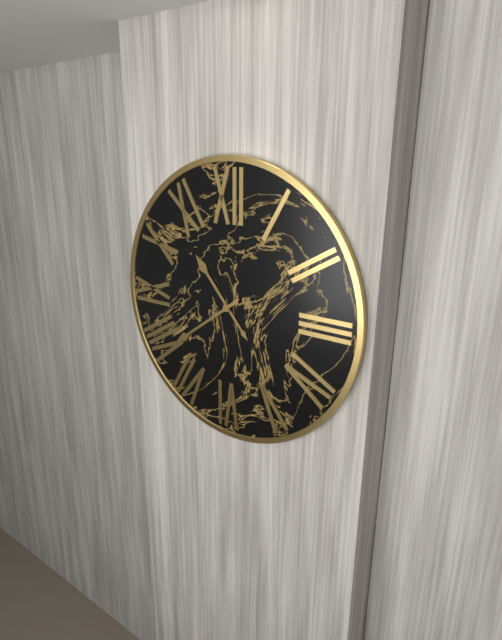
10:39
